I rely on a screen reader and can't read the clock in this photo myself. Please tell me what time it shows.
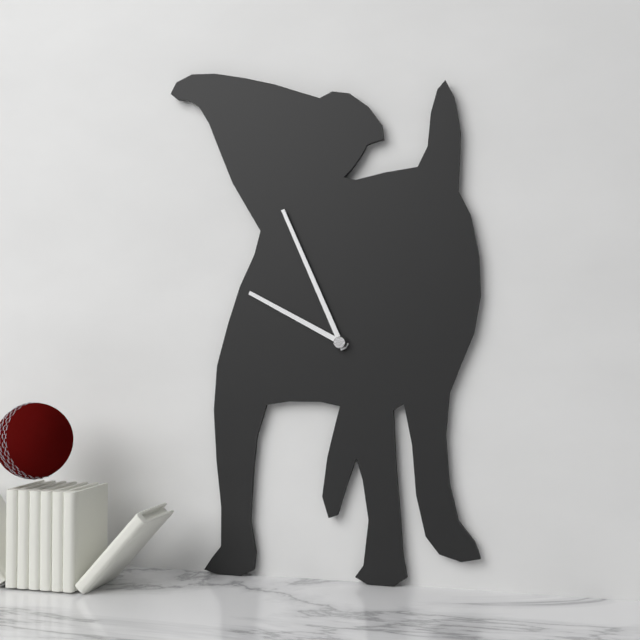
9:56
